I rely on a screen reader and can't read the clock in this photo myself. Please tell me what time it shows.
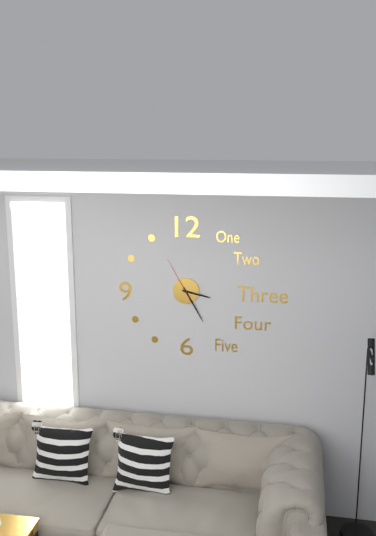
3:25
